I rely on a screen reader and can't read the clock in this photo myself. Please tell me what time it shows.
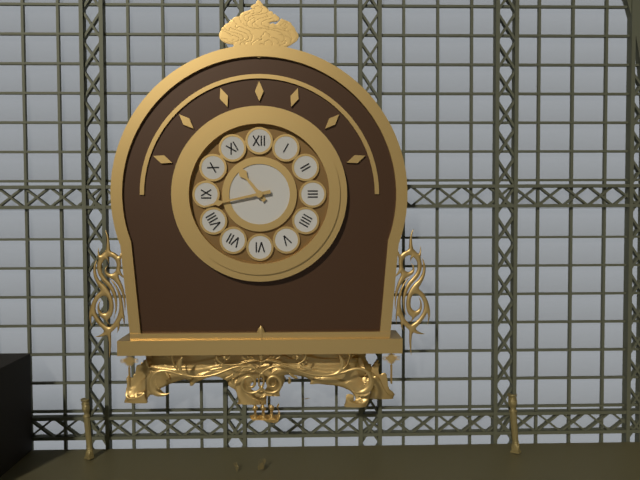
10:43
